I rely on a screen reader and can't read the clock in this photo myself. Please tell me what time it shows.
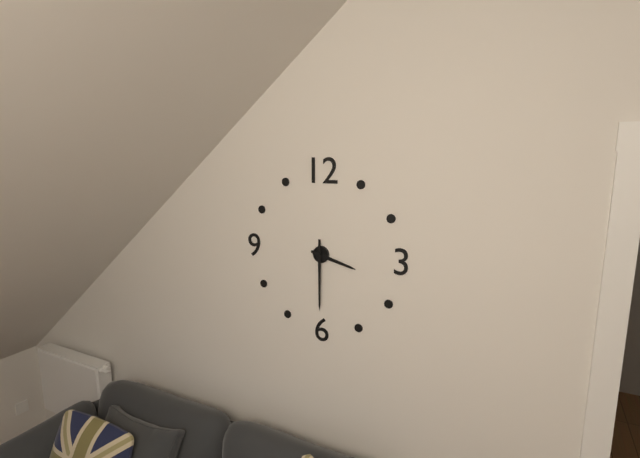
3:30
